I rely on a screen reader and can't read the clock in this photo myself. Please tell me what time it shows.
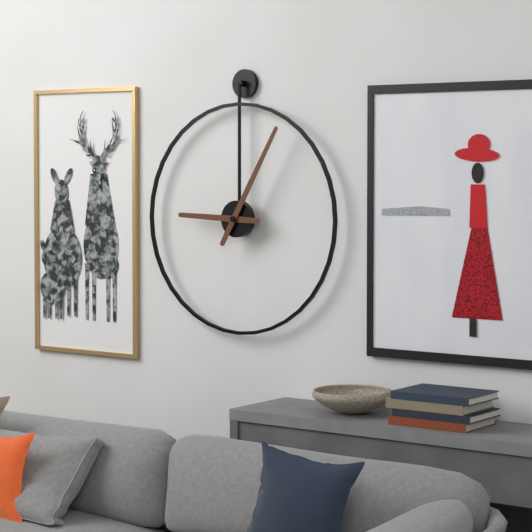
9:05
